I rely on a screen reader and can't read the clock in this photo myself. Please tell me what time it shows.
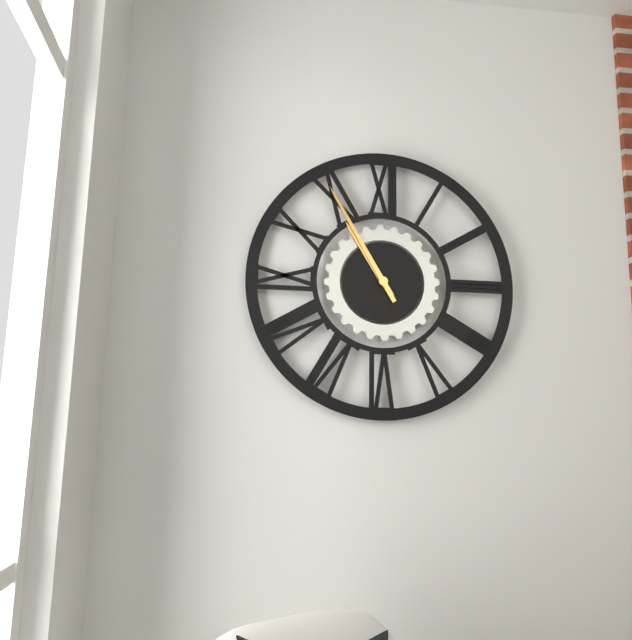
10:55
